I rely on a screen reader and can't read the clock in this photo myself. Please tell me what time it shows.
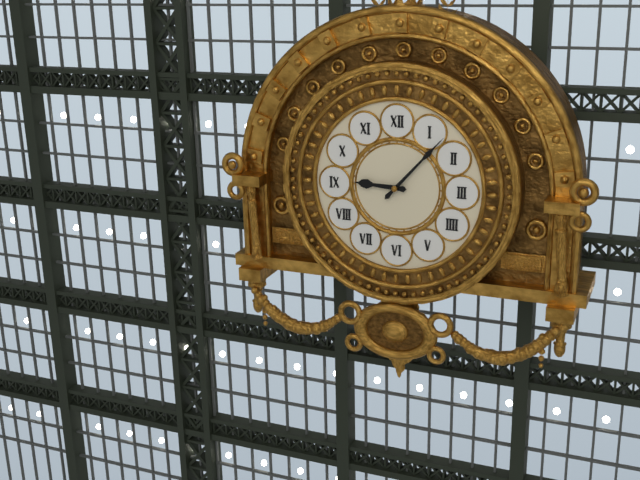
9:07
